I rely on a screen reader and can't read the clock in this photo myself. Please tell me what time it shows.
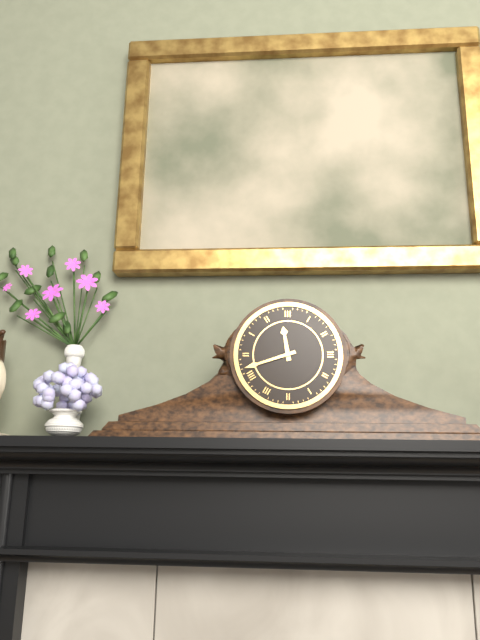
11:42
